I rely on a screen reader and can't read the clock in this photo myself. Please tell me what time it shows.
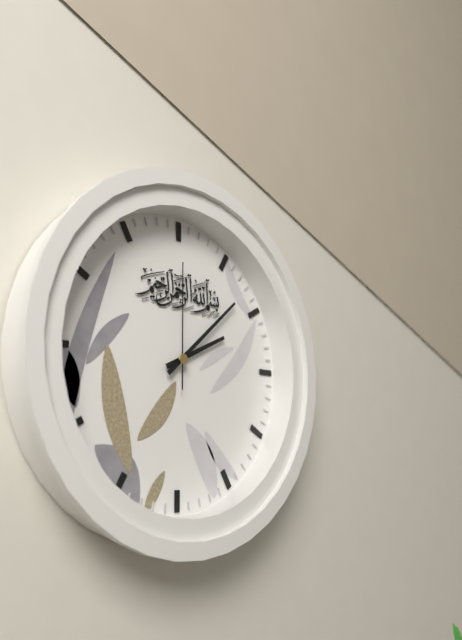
2:08:00
